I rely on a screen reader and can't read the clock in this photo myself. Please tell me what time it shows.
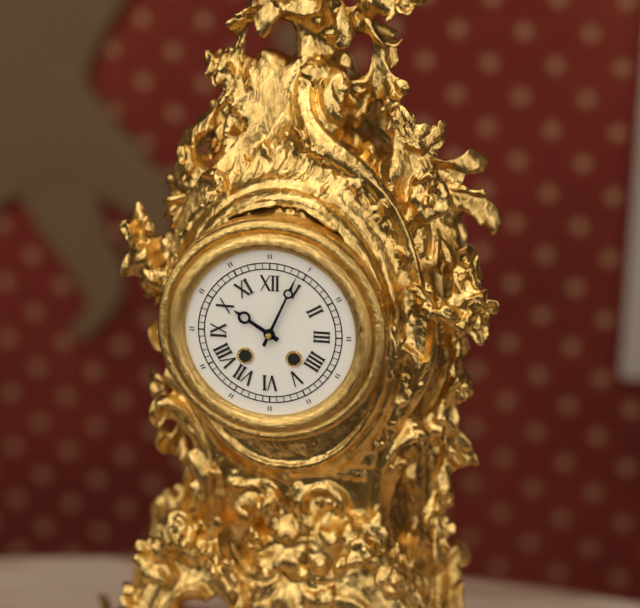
10:04
